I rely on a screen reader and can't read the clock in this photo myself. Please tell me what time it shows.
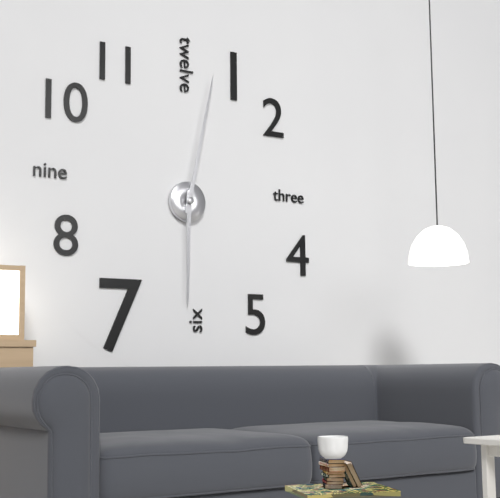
6:02
